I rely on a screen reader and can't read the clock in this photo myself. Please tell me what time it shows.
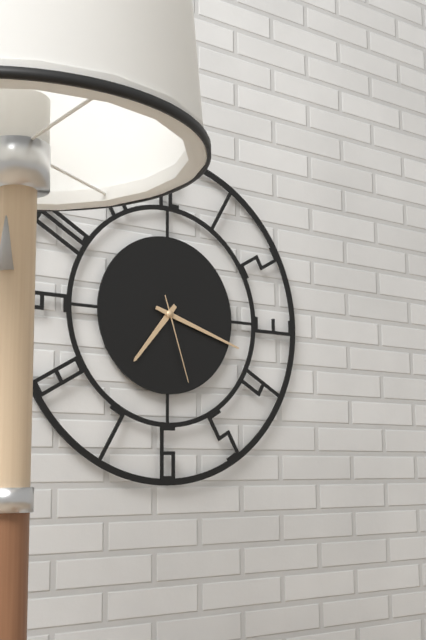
7:18:27
